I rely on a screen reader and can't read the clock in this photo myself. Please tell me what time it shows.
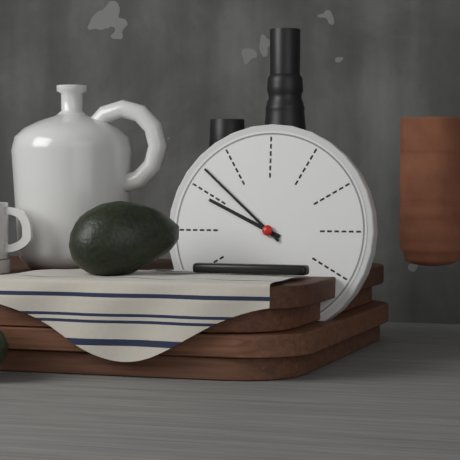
9:52
